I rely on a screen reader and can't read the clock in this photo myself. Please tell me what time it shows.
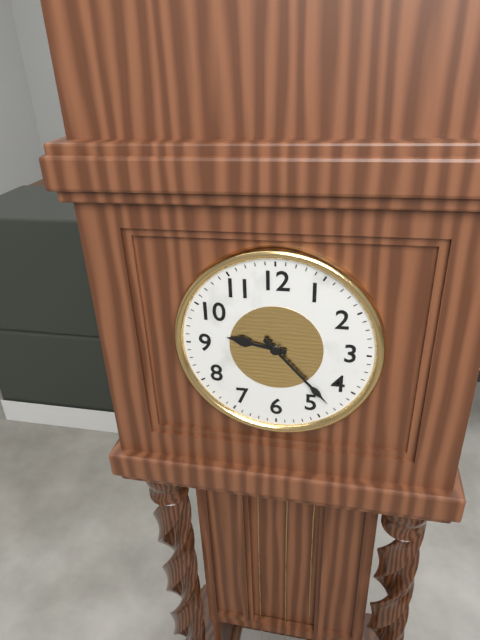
9:23
